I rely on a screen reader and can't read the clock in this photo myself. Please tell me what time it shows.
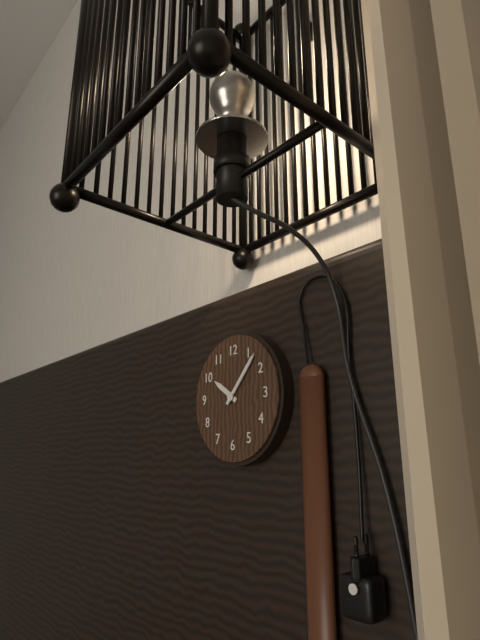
10:07
